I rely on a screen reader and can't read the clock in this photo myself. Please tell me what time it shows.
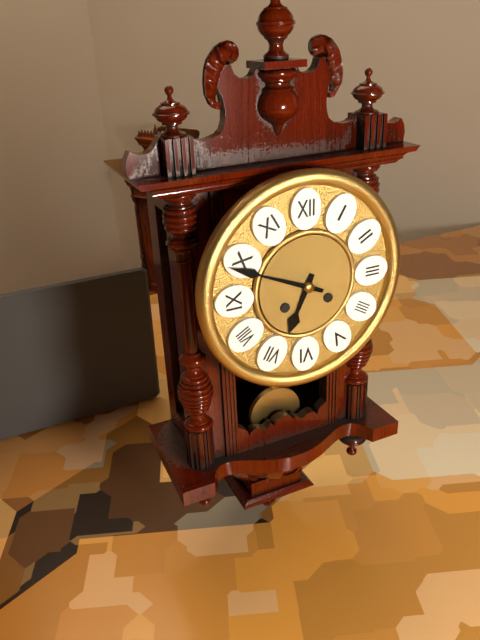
6:49
